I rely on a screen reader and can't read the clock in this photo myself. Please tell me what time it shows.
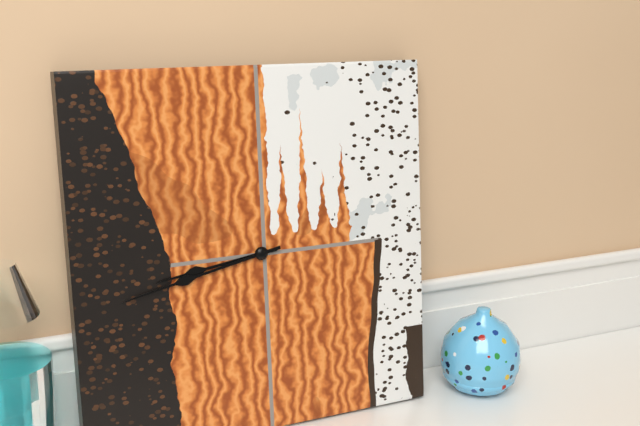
8:43
